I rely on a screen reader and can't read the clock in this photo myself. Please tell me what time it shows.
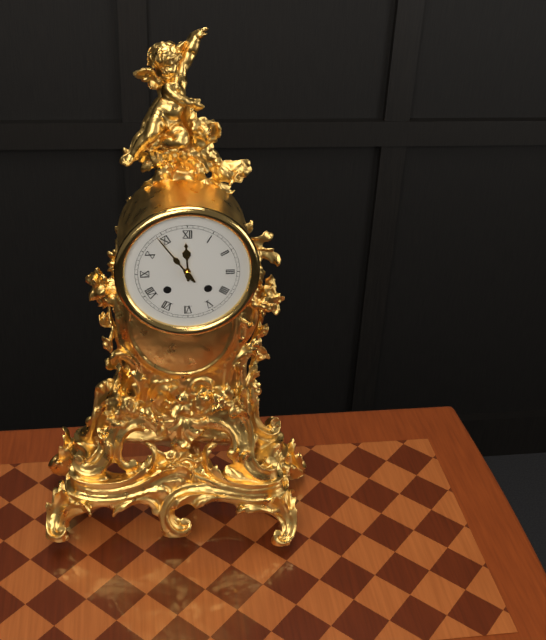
11:54
